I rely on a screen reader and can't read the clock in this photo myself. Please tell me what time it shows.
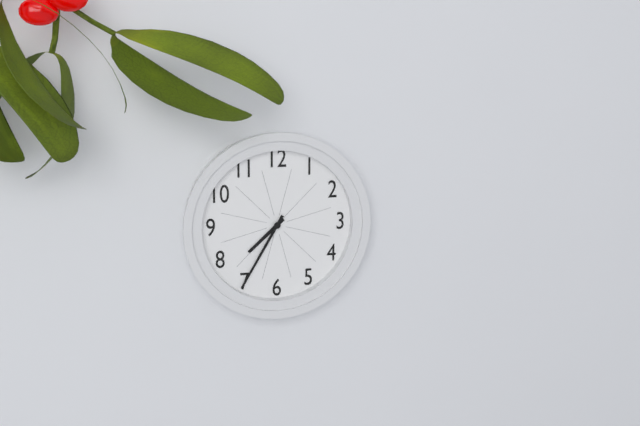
7:35
